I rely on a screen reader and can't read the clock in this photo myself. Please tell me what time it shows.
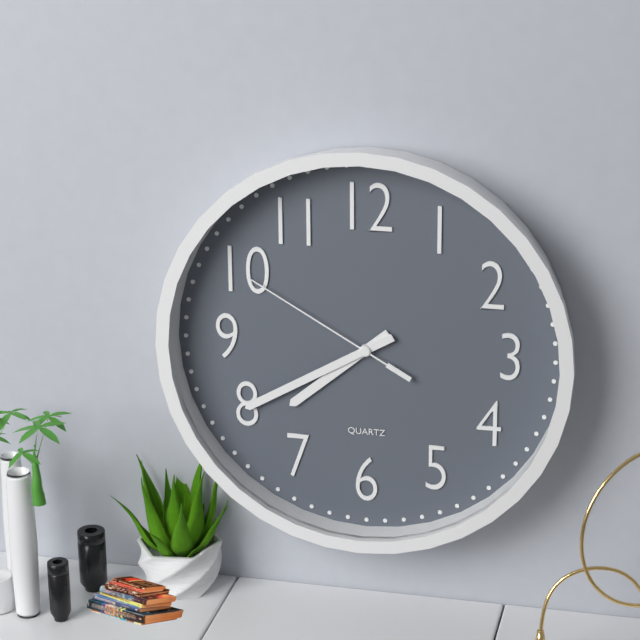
7:40:50
